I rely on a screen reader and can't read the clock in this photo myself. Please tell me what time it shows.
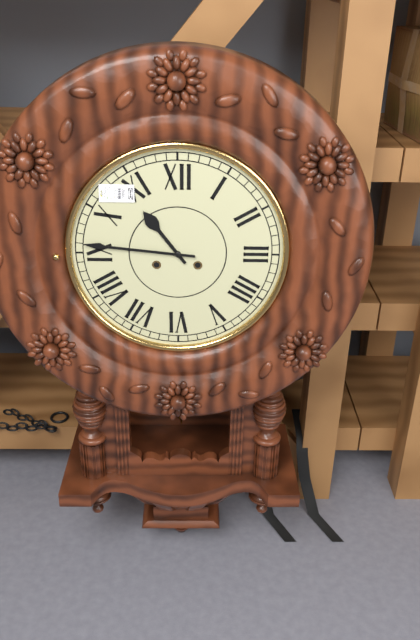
10:46
